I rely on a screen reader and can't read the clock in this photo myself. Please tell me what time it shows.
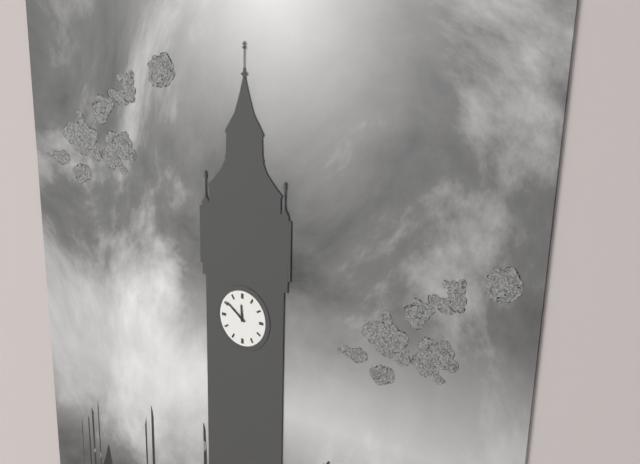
11:51
